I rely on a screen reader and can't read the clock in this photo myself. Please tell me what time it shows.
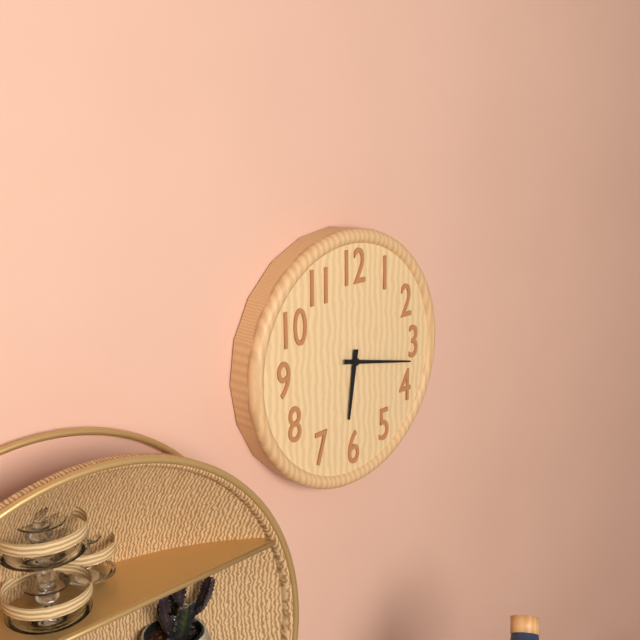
6:17
